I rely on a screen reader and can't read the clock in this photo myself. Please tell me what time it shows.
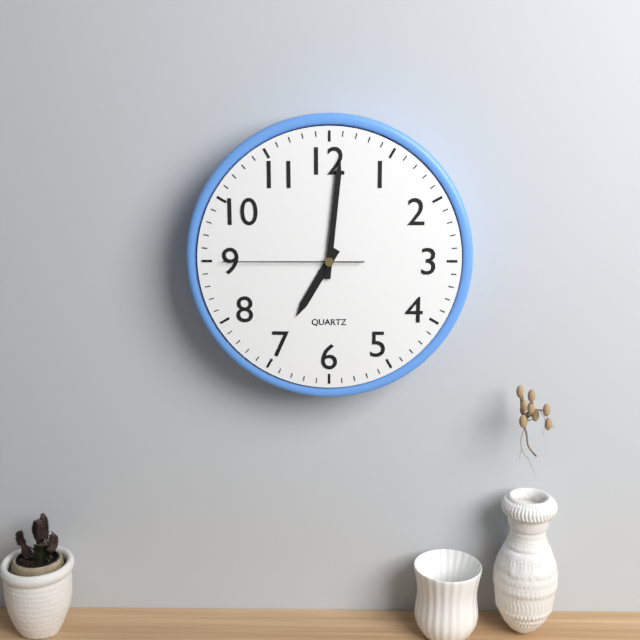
7:01:45
